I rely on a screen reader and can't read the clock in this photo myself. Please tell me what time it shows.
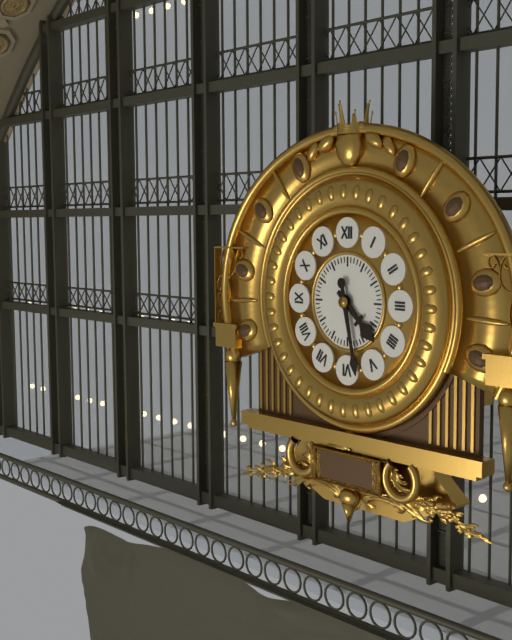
4:28
